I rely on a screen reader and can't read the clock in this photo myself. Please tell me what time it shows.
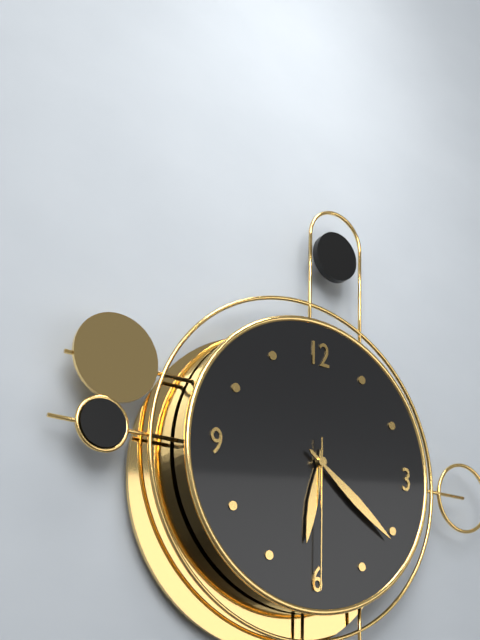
6:21:30
